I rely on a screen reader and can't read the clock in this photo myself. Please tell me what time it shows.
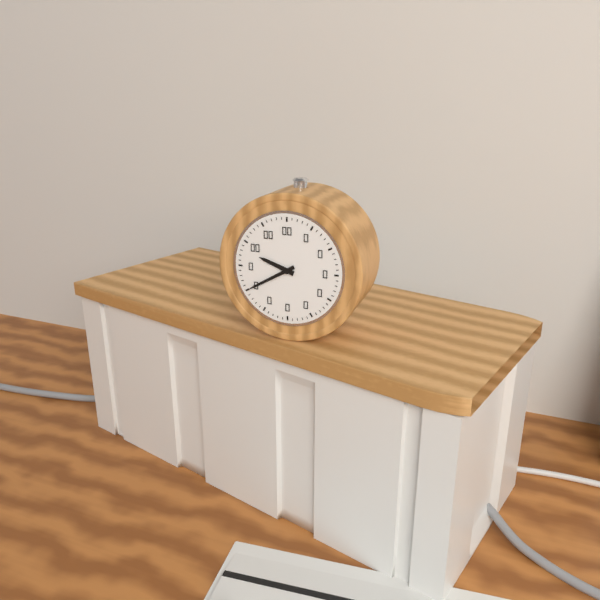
9:40
